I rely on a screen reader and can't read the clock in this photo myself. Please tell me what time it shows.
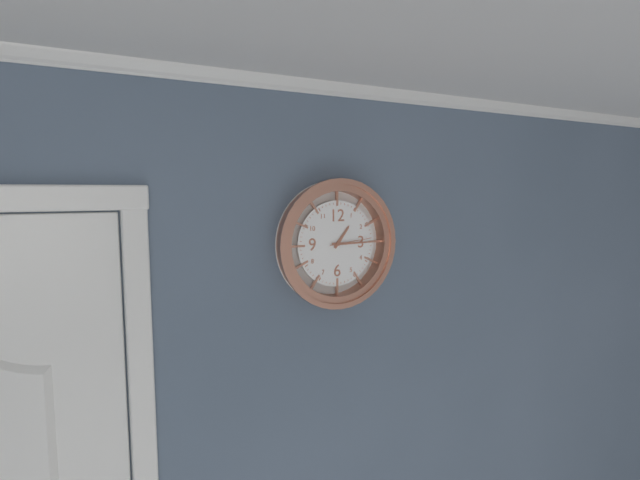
1:15
